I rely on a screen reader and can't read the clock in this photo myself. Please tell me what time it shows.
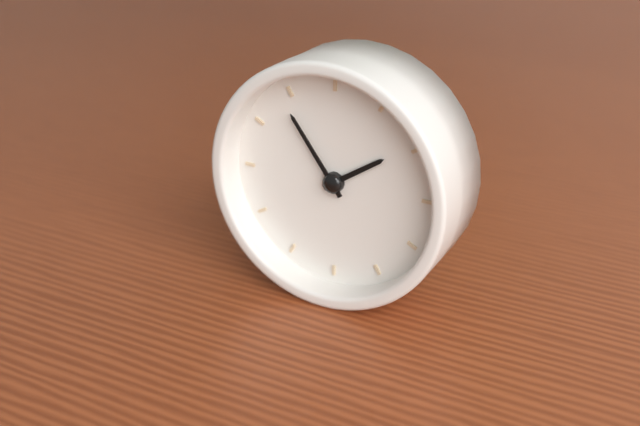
1:54
